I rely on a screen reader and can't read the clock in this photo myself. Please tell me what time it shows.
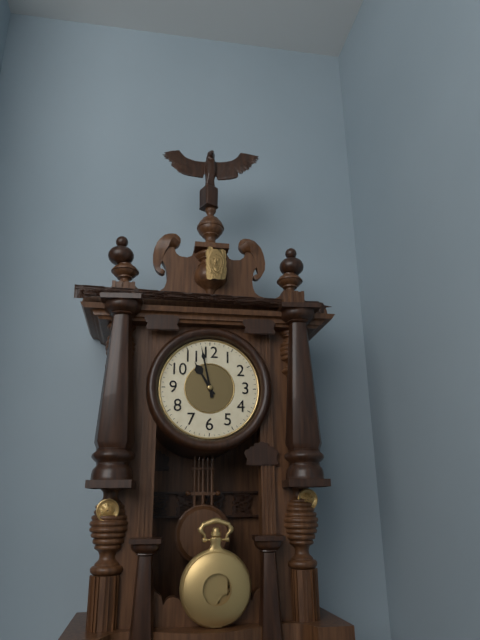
10:58
